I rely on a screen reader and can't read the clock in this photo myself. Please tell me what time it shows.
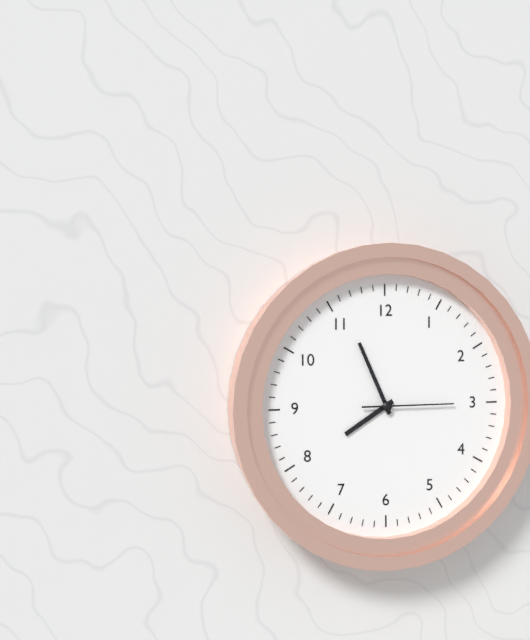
7:56:15
